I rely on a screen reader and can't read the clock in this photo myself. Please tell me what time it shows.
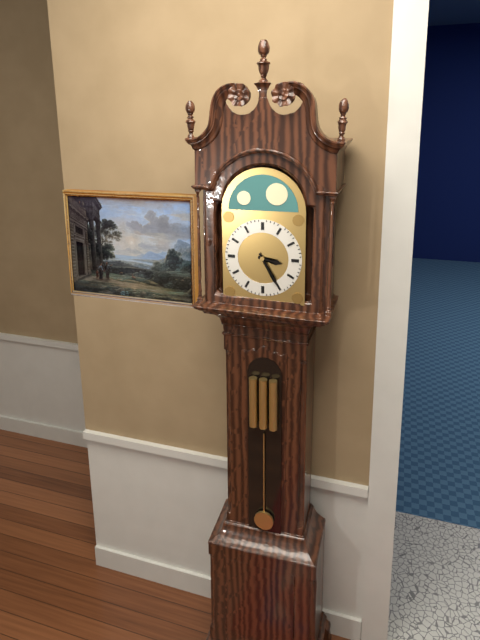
3:25
